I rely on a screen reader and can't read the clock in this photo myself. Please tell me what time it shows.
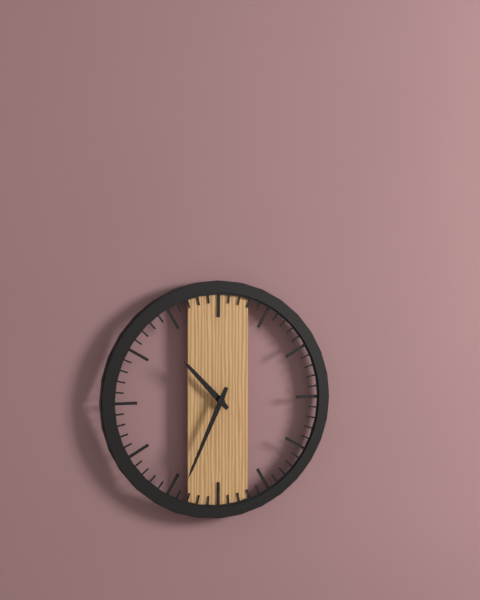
10:34
